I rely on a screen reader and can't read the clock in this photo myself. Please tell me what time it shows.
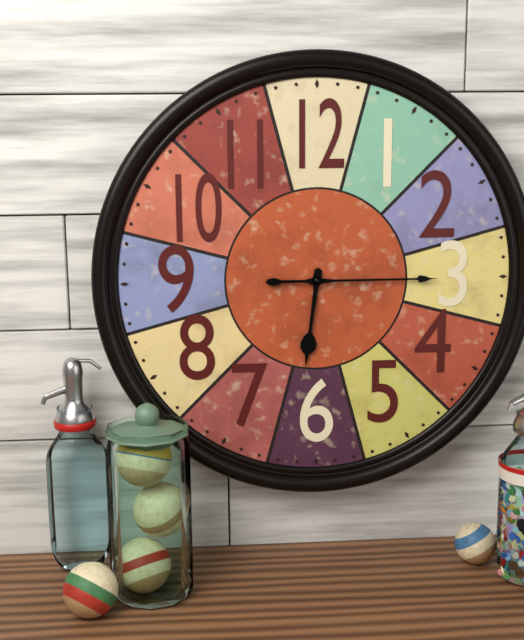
6:15
